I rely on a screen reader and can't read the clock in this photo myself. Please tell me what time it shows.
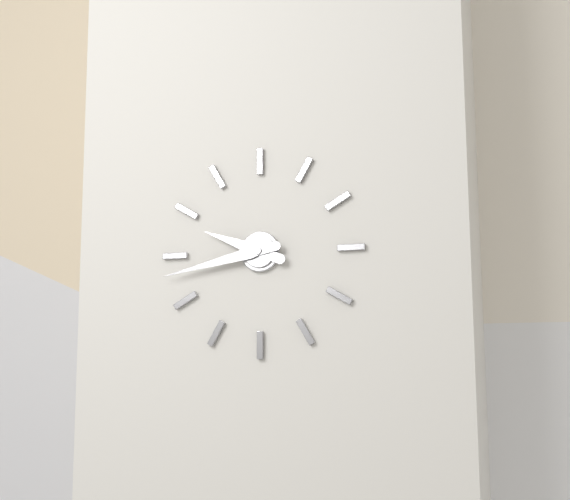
9:43
